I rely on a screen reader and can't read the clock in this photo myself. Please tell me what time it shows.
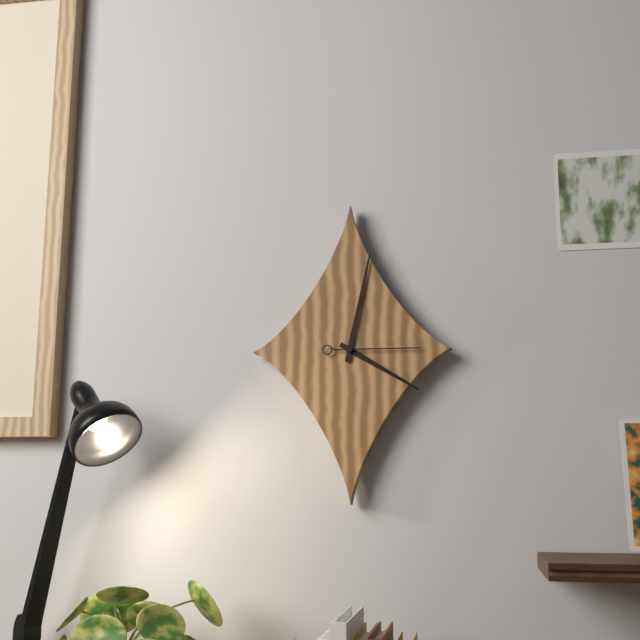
4:02:15
